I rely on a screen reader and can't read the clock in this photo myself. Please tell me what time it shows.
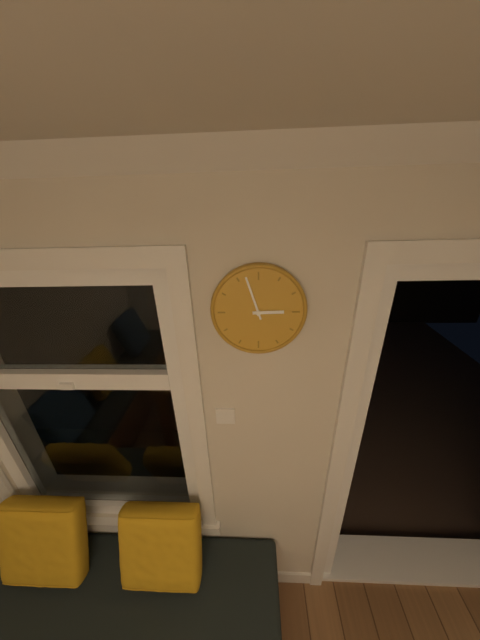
2:57
